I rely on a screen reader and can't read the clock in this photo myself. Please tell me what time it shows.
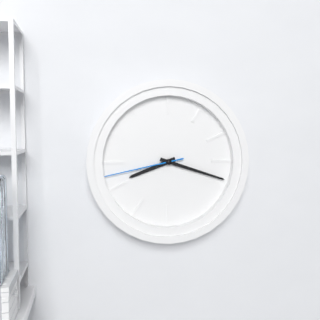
8:18:43
